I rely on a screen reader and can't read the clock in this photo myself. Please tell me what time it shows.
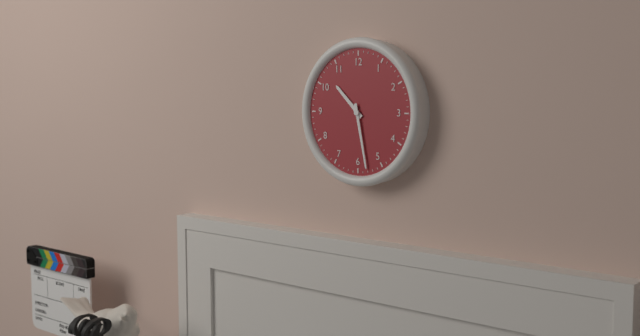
10:28
